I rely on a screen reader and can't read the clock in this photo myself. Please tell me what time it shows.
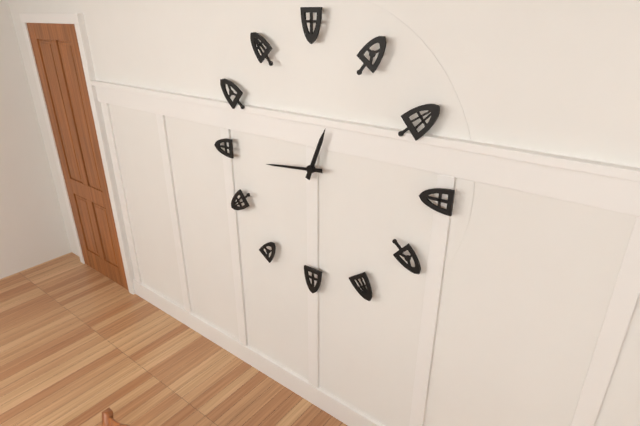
12:44
